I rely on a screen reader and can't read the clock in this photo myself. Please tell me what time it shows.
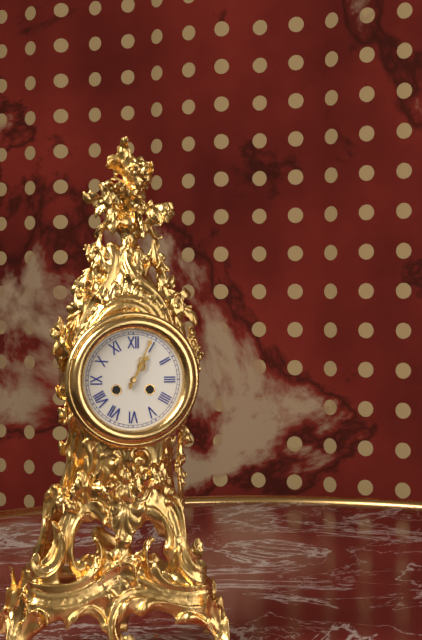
1:04
